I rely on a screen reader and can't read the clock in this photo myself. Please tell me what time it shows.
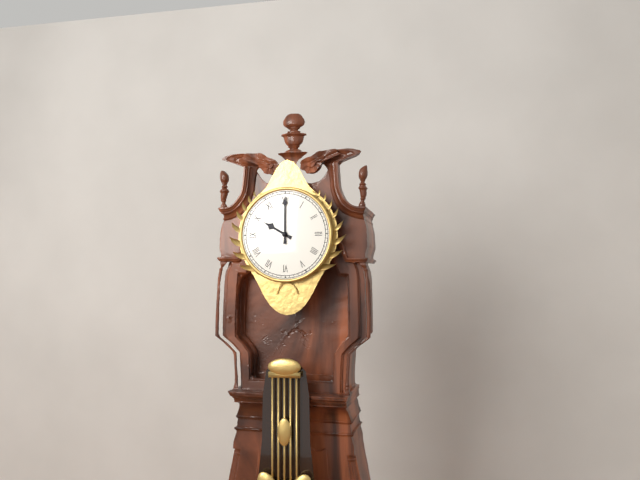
10:00
